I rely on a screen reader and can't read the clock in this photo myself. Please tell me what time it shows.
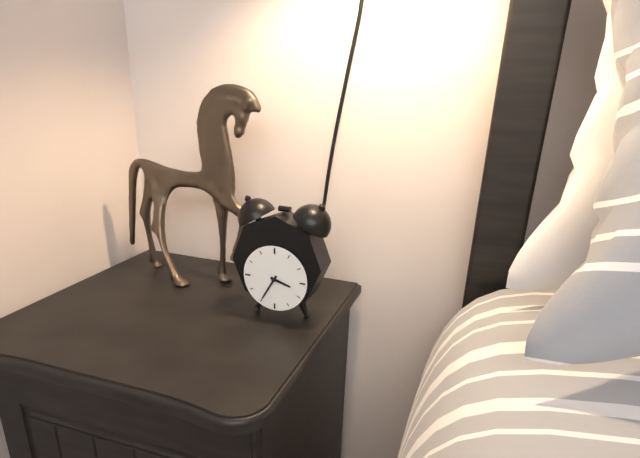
3:35
